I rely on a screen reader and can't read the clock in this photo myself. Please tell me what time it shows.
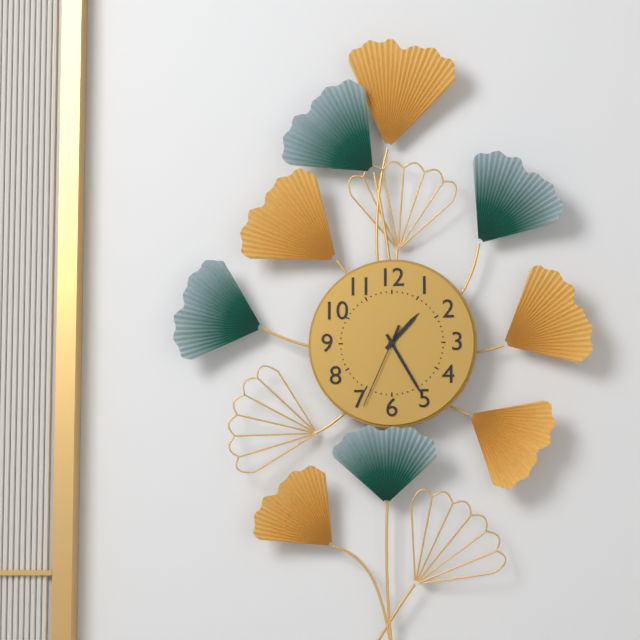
1:25:34
